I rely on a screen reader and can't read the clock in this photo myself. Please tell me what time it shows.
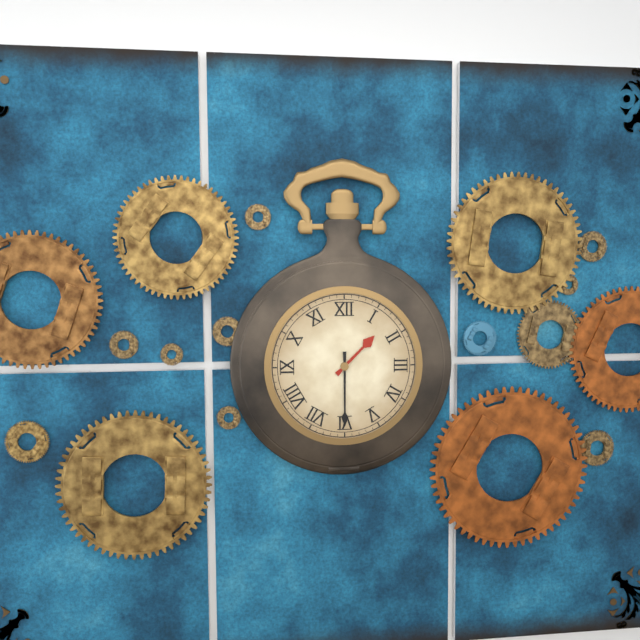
1:30
